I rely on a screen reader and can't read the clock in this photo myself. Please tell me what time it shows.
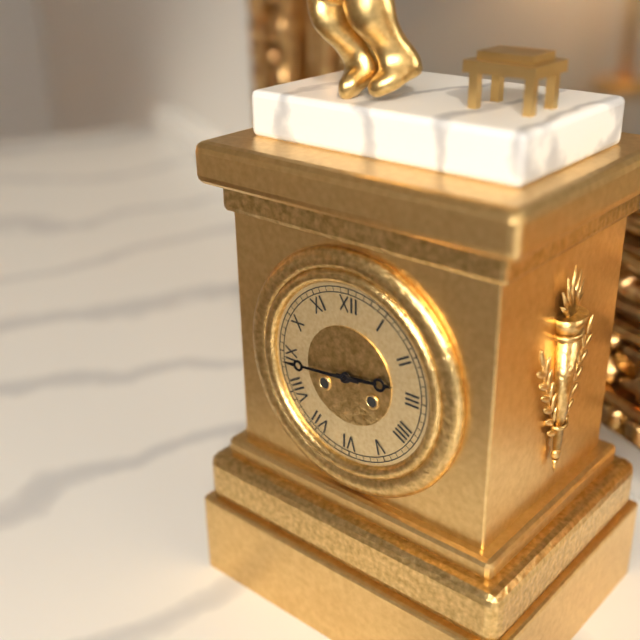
2:44
